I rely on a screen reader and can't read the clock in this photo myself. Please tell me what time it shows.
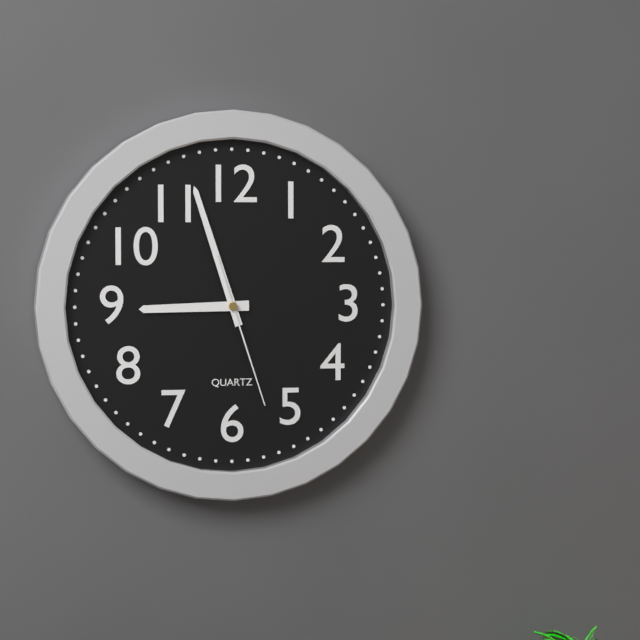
8:57:27
